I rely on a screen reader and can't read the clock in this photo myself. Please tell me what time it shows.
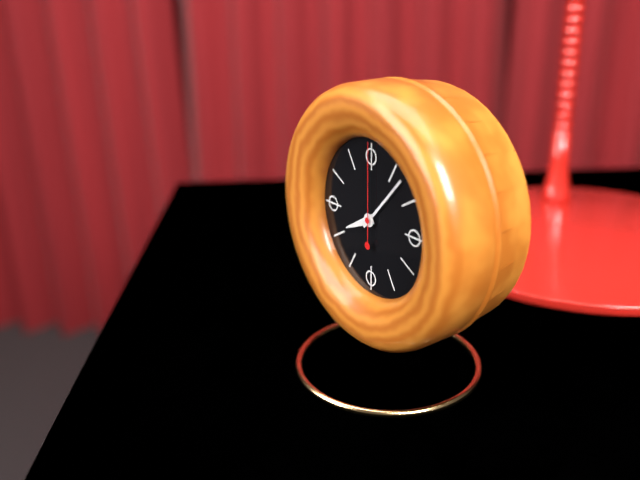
8:07:00
